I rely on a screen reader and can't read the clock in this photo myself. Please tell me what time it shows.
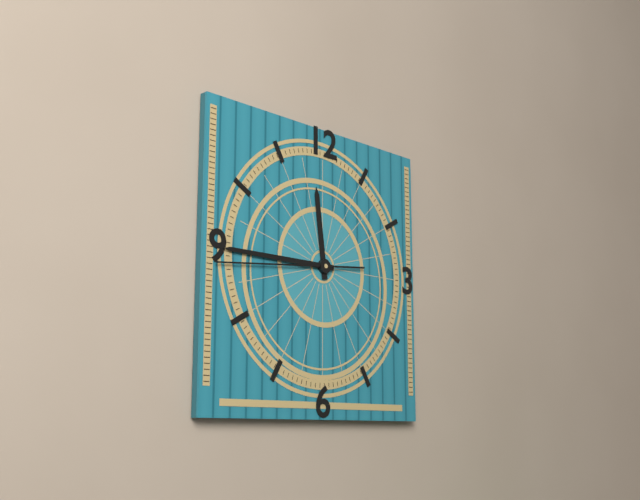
11:45:44
